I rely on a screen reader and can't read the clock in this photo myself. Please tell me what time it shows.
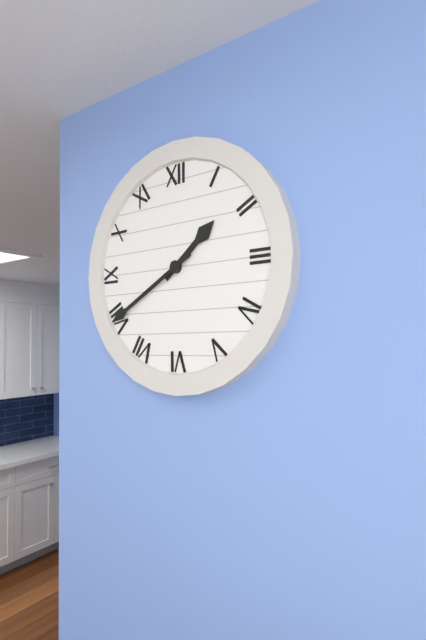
1:40
